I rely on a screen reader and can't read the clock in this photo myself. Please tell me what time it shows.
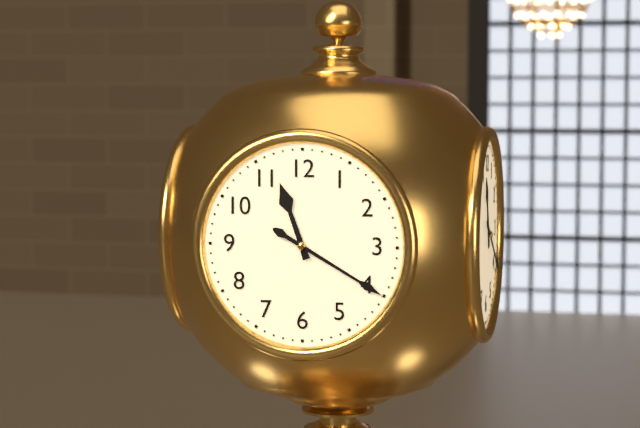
11:20
